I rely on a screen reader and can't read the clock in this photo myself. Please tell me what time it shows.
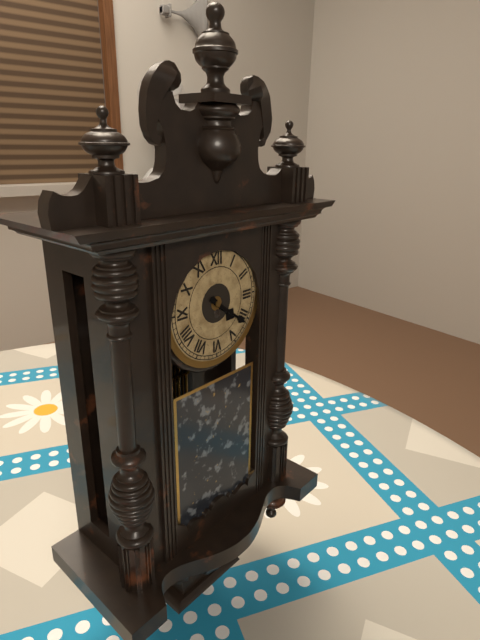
4:21
